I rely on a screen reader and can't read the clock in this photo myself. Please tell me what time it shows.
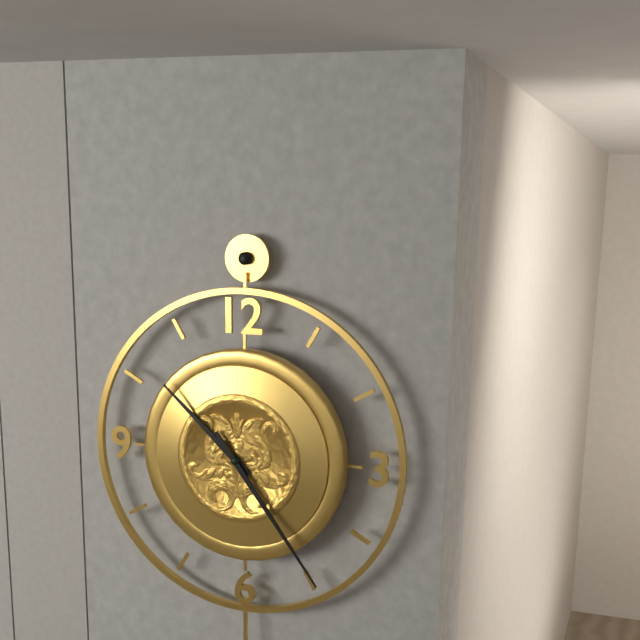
10:24
